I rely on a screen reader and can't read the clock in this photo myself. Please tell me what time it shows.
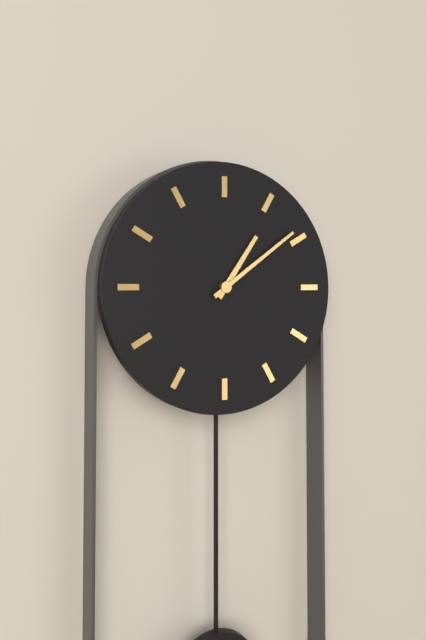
1:09
